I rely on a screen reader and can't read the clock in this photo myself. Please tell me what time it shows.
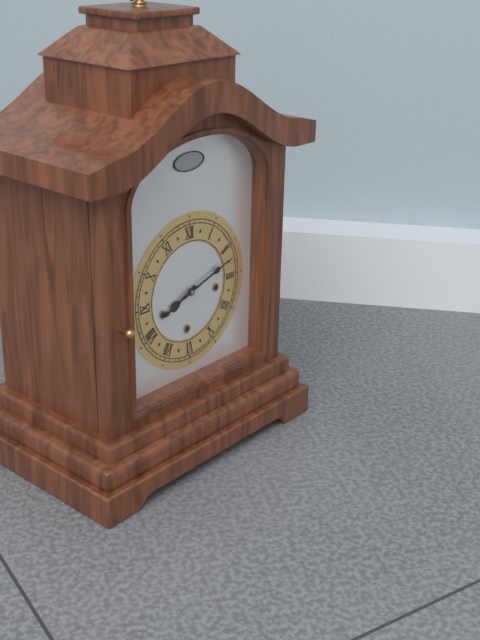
8:12
